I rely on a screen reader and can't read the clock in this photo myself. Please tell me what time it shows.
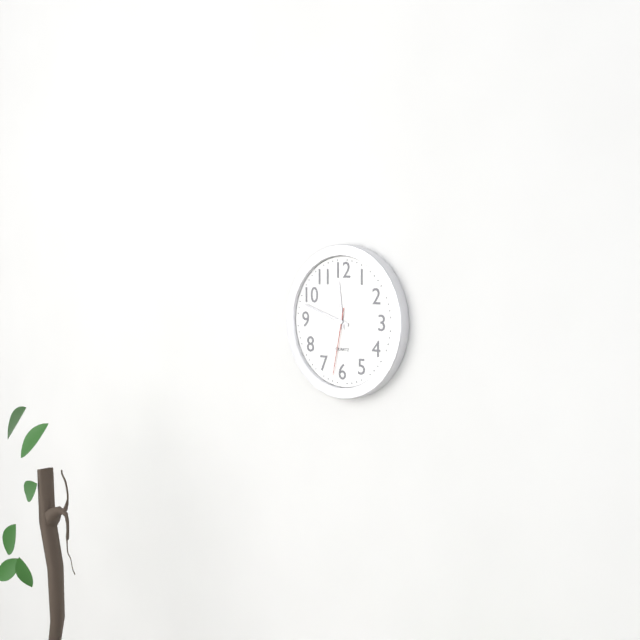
11:48:32
